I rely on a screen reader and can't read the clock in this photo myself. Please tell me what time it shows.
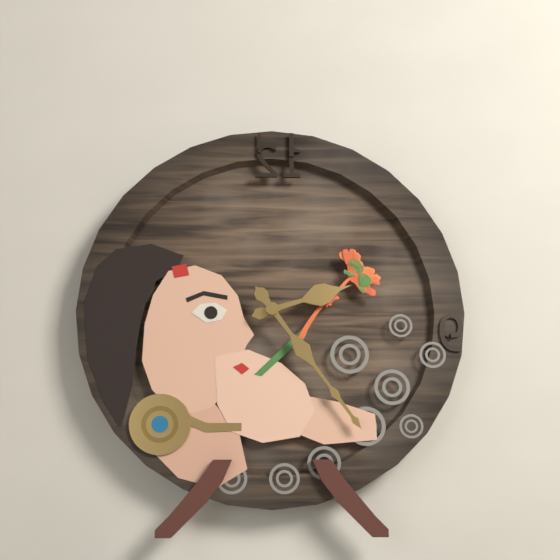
2:24
